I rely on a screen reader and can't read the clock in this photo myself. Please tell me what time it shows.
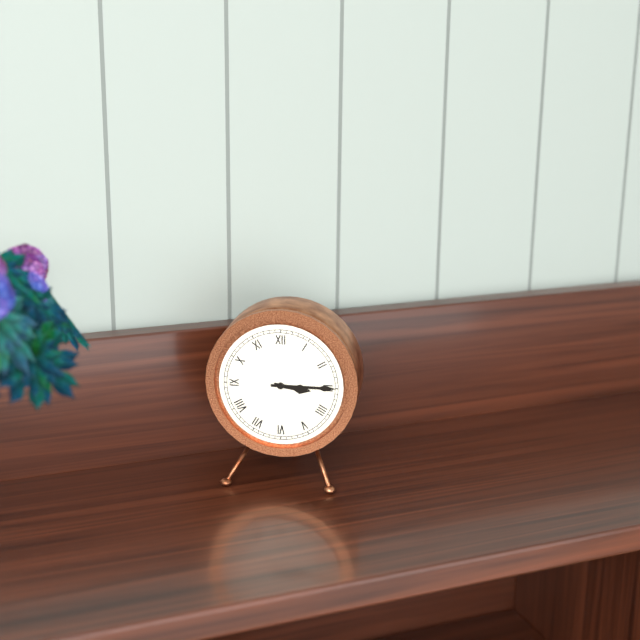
3:15
